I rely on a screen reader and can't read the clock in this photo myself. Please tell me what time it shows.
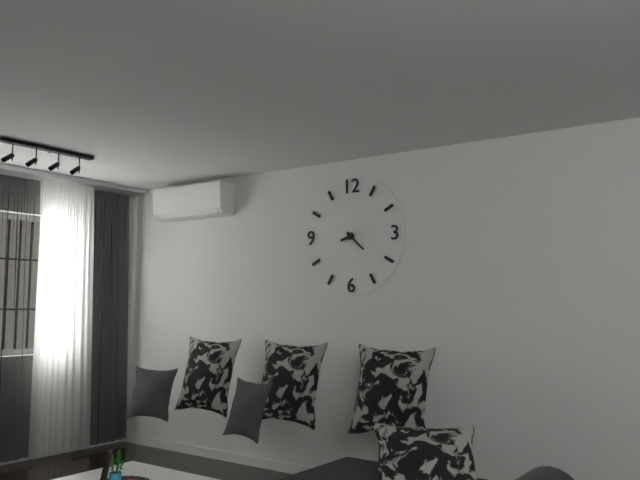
8:22
